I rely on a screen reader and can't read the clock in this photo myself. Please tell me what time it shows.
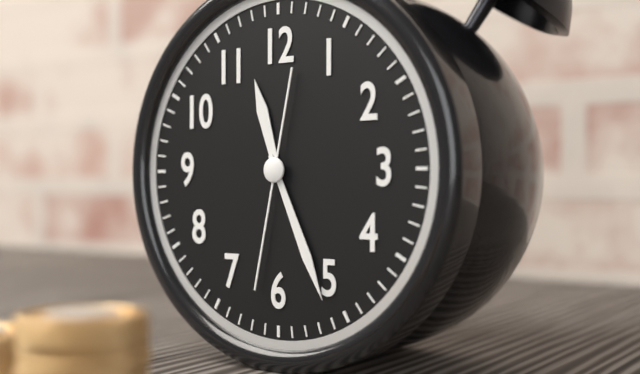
11:26:32
